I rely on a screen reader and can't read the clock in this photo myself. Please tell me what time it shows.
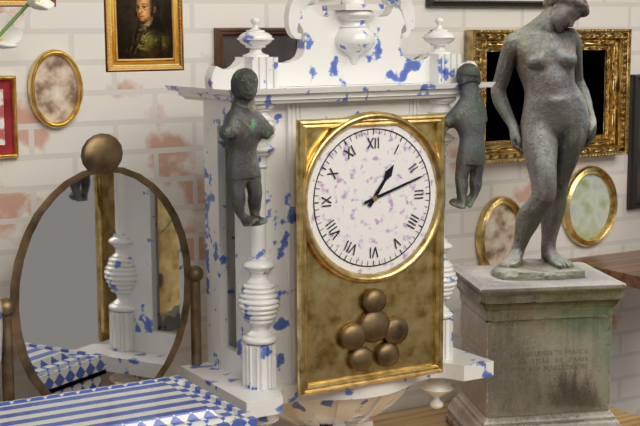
1:12
